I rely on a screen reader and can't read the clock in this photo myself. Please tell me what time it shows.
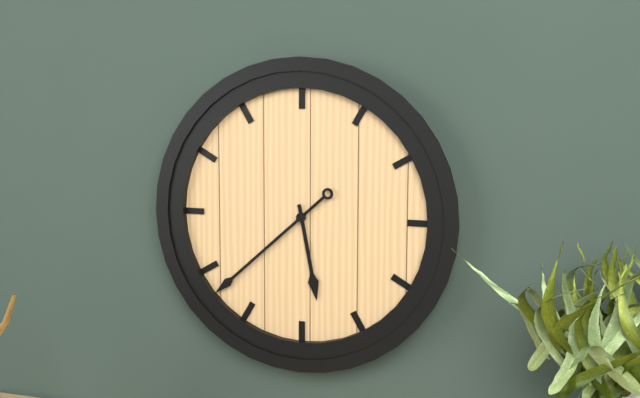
5:38
